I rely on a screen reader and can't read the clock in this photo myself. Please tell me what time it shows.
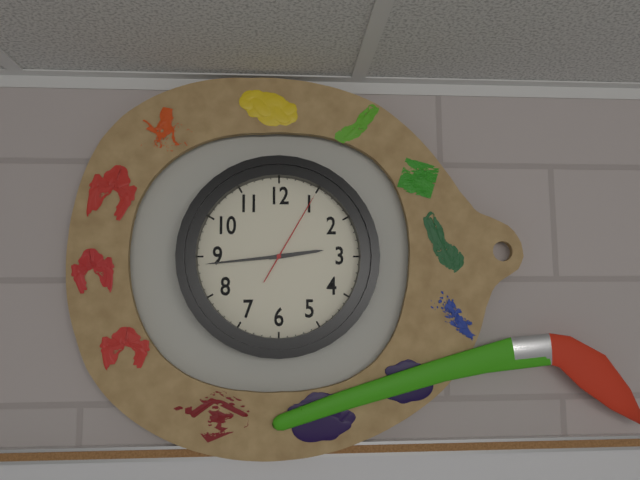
2:44:05
